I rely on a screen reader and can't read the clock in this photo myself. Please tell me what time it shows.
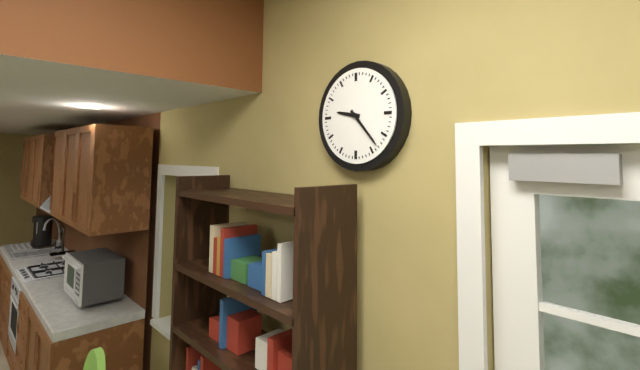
9:23
